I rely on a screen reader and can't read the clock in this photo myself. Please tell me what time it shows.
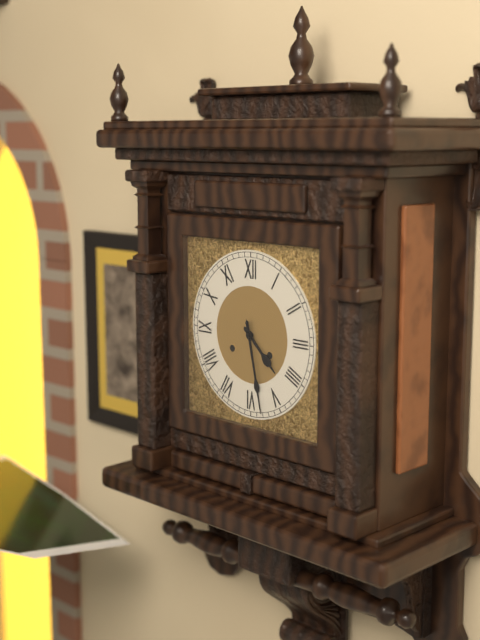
4:28
